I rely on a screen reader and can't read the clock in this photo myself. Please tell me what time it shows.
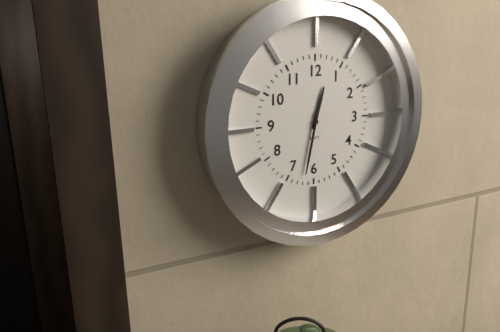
12:32
